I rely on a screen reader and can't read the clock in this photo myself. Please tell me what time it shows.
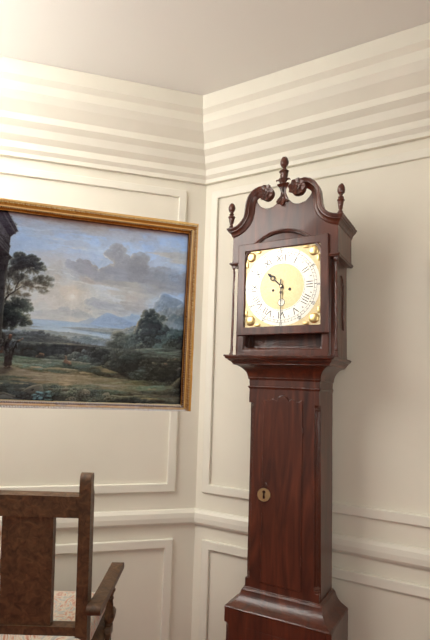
10:30
